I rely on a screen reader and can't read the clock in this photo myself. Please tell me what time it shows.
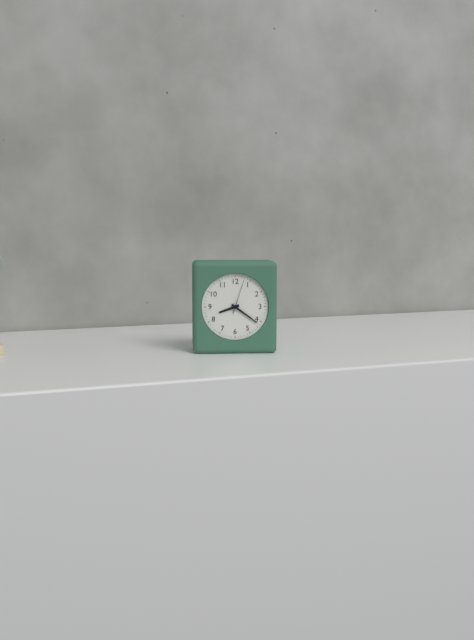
8:21
